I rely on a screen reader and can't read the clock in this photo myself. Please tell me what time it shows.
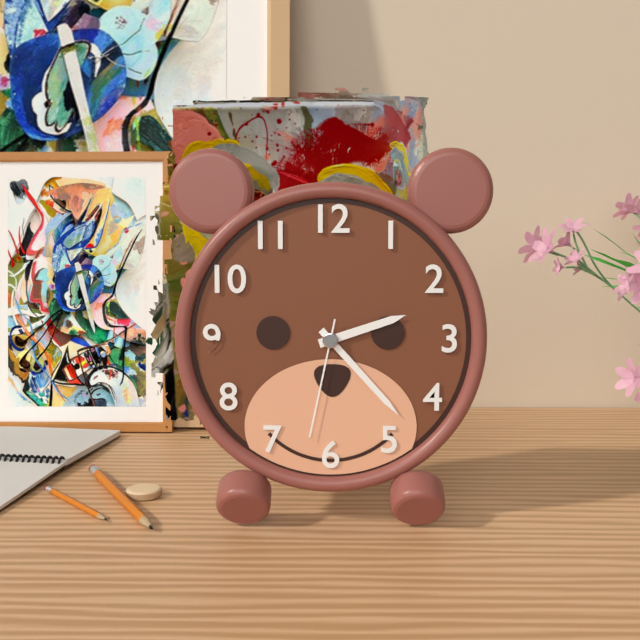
2:23:32
